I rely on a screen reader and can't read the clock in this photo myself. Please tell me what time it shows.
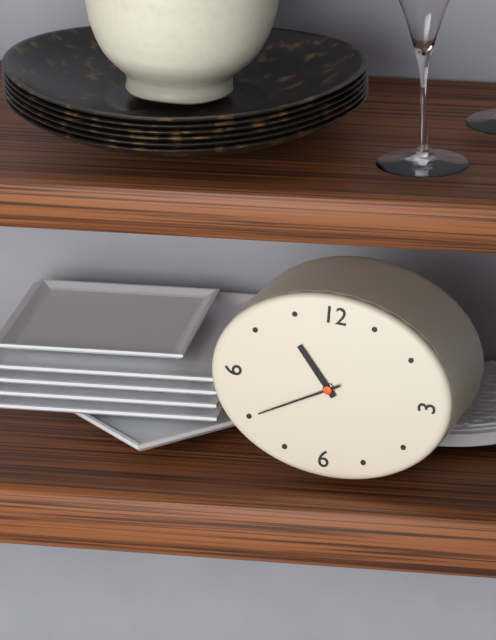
10:40
